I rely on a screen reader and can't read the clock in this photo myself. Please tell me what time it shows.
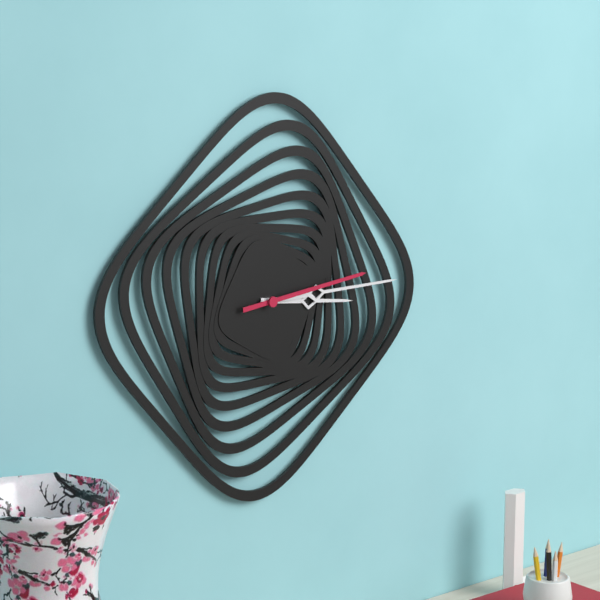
3:15:14
